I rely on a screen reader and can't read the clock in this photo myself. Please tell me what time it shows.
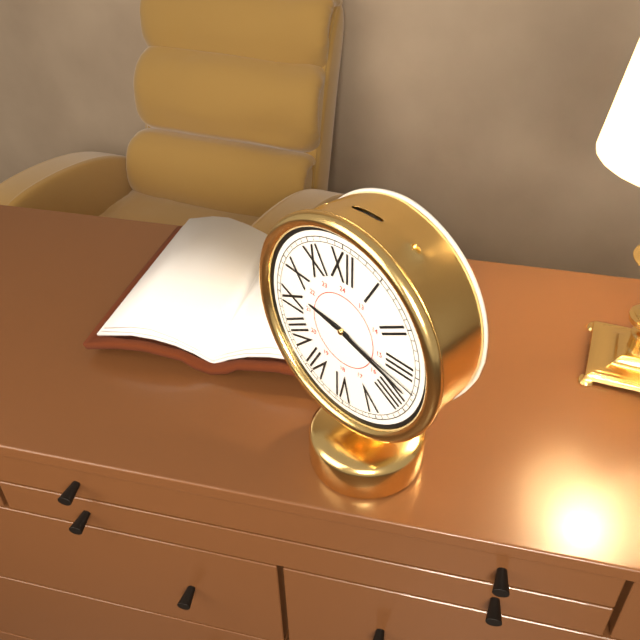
9:18:17
